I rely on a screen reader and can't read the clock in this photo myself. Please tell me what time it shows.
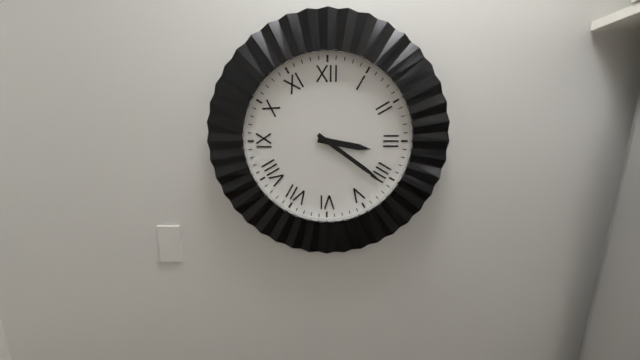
3:21
